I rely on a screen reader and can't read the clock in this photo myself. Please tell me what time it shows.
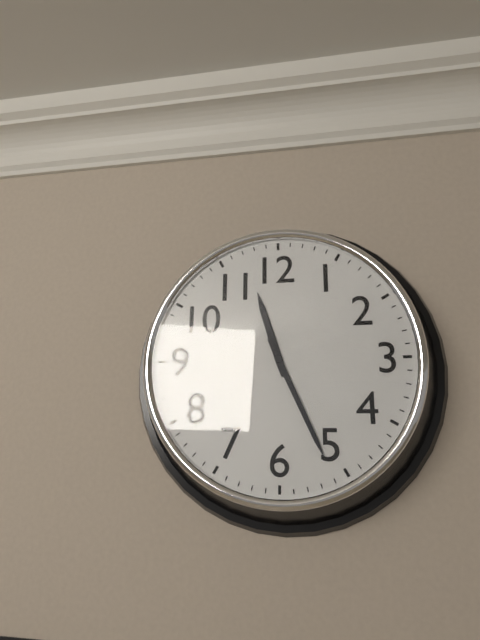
11:26
